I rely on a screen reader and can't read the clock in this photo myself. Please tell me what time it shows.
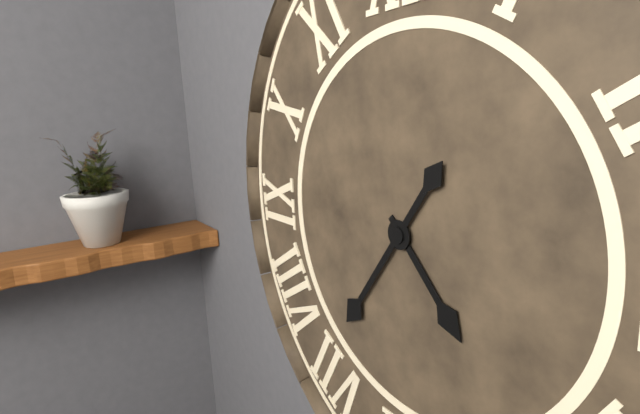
4:36
